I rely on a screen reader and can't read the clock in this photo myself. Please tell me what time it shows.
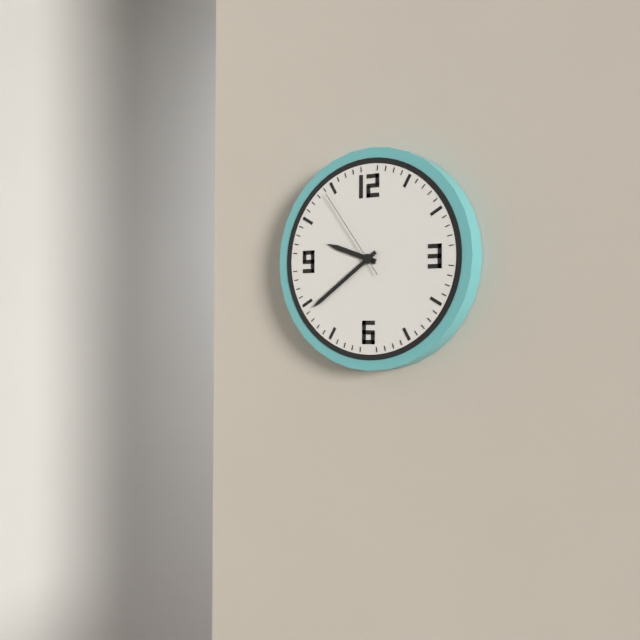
9:39:54
